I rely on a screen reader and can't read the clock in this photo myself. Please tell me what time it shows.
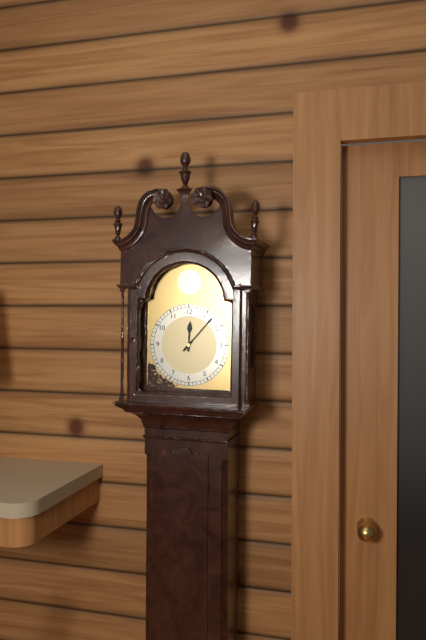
12:07
